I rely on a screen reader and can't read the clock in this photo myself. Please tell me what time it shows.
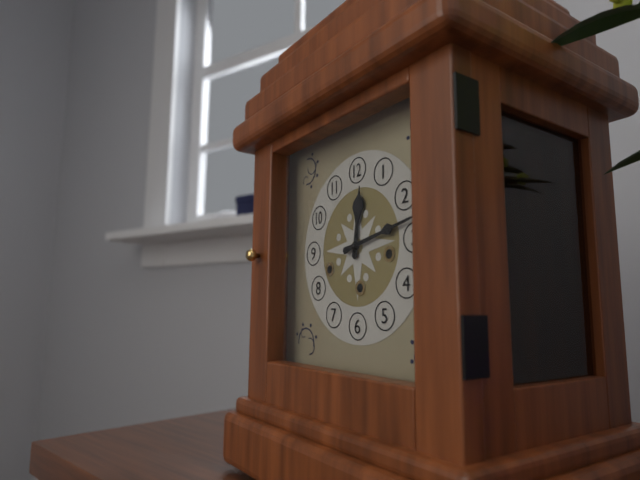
12:13
